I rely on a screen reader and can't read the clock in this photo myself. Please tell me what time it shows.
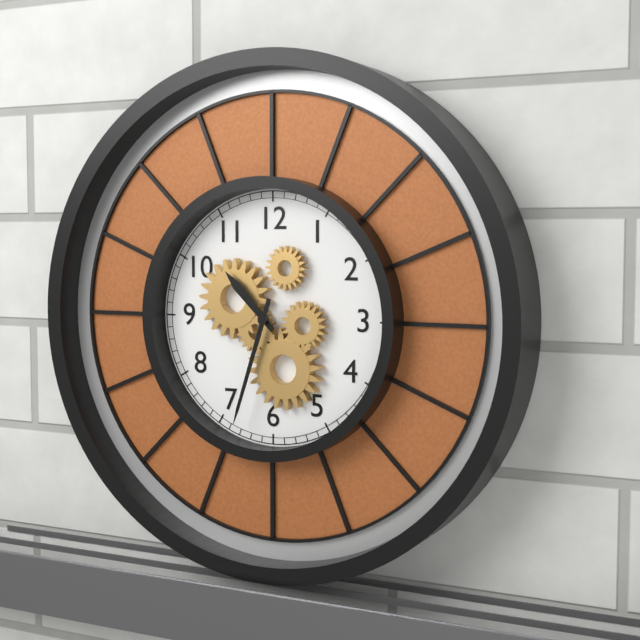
10:33
